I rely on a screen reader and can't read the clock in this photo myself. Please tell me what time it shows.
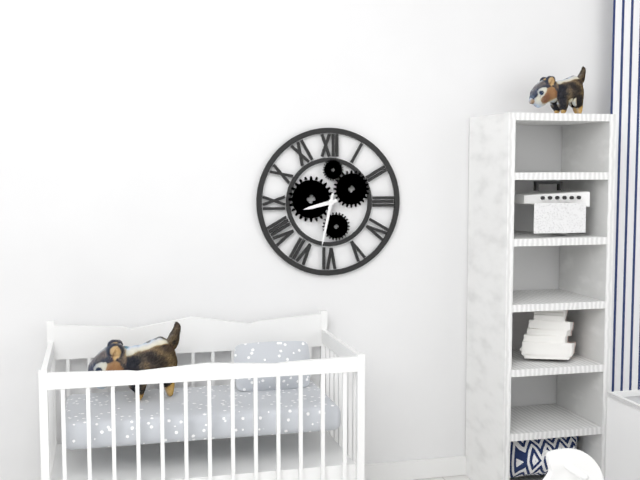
8:32
